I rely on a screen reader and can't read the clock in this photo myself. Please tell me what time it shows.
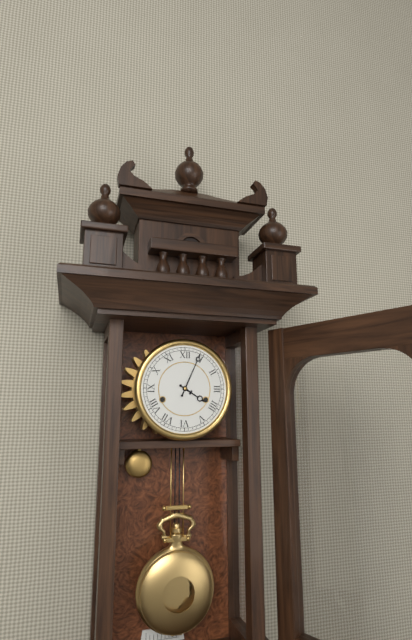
4:04
